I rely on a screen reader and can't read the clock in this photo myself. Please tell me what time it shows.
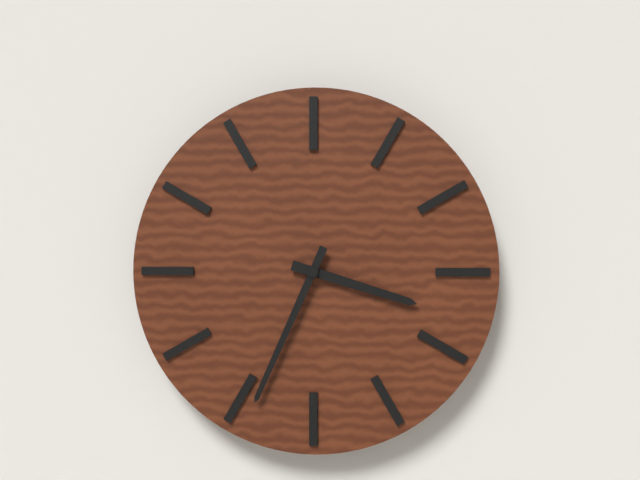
3:34
